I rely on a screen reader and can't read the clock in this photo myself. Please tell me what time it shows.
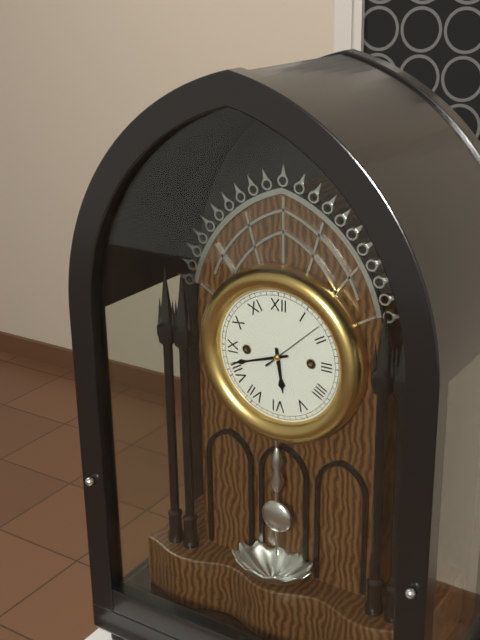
5:42:08
